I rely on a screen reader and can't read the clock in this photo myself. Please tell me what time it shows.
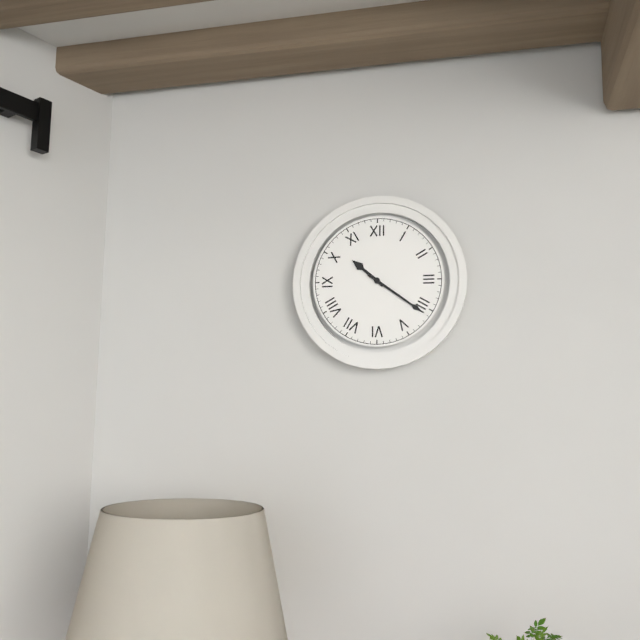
10:21
